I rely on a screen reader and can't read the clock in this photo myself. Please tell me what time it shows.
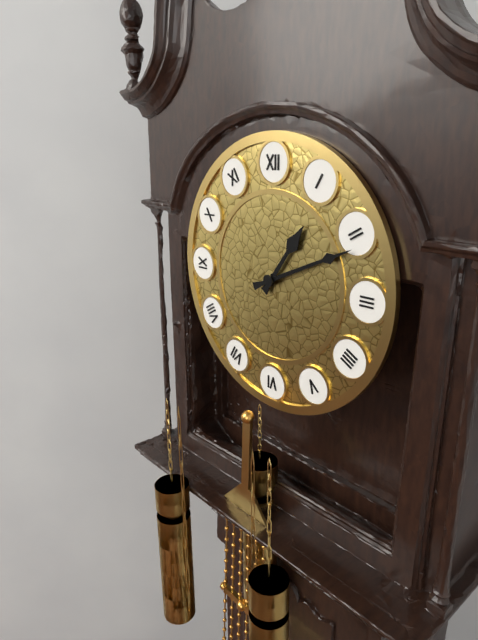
1:11
